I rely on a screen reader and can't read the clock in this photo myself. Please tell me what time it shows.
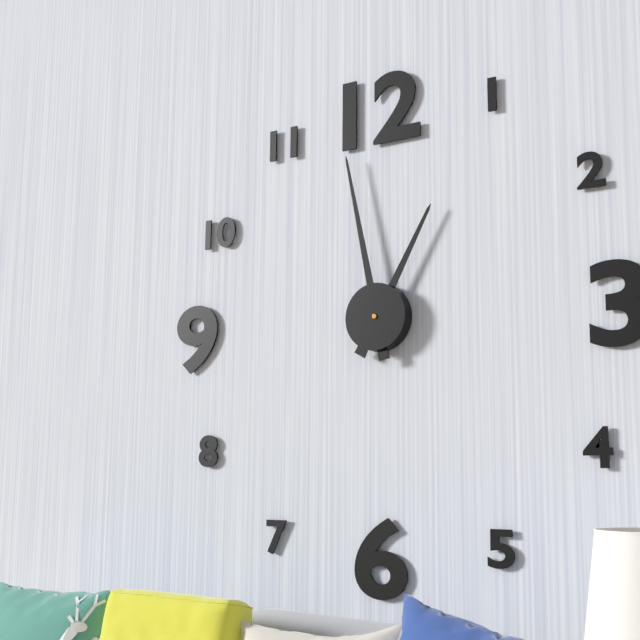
12:58
